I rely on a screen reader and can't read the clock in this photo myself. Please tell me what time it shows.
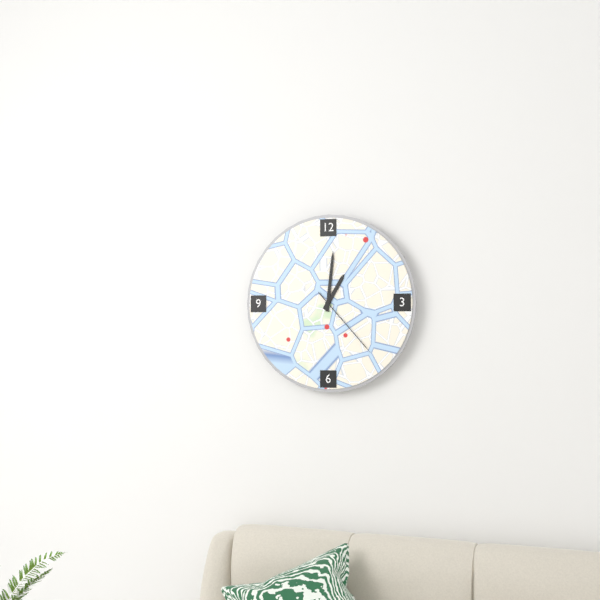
1:01:23
